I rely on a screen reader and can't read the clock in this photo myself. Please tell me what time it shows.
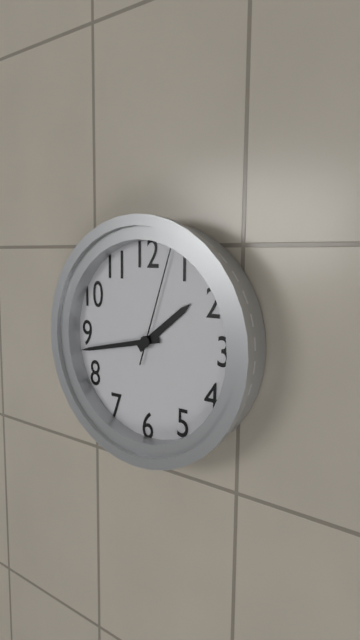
1:43:03
